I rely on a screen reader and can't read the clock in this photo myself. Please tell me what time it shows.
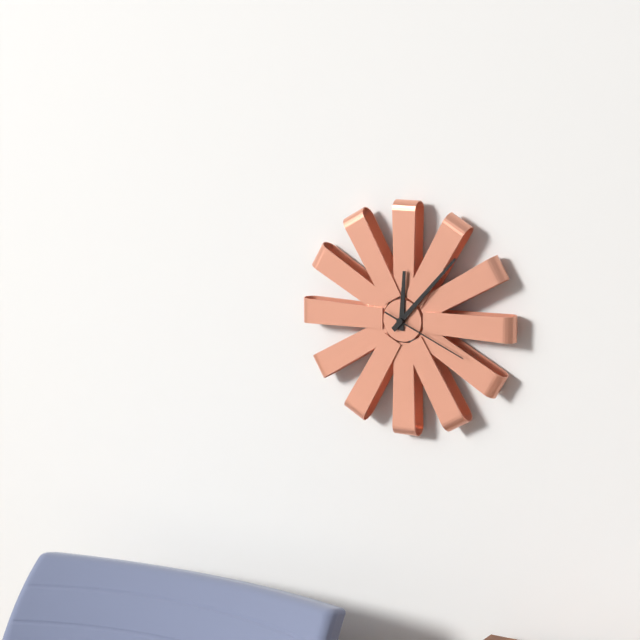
12:07:19
